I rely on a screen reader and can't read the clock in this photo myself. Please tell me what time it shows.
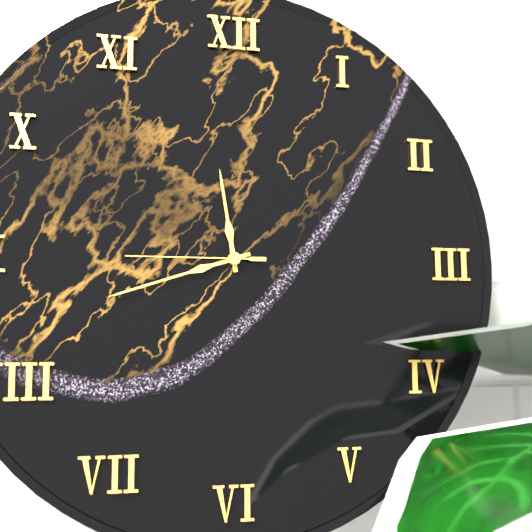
11:42:45
